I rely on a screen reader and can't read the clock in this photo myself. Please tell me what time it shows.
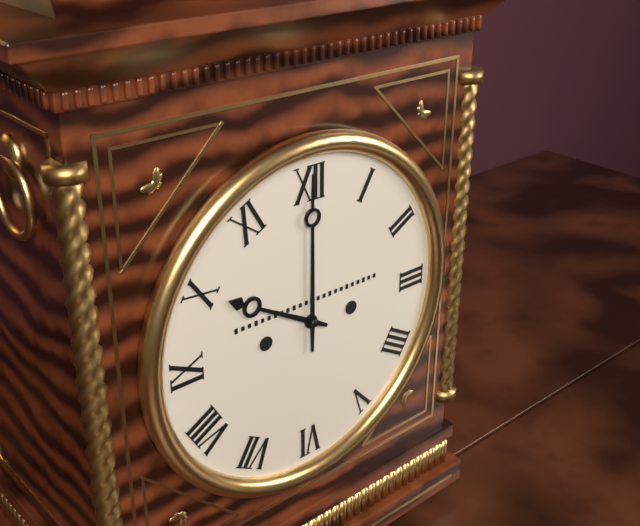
10:00
